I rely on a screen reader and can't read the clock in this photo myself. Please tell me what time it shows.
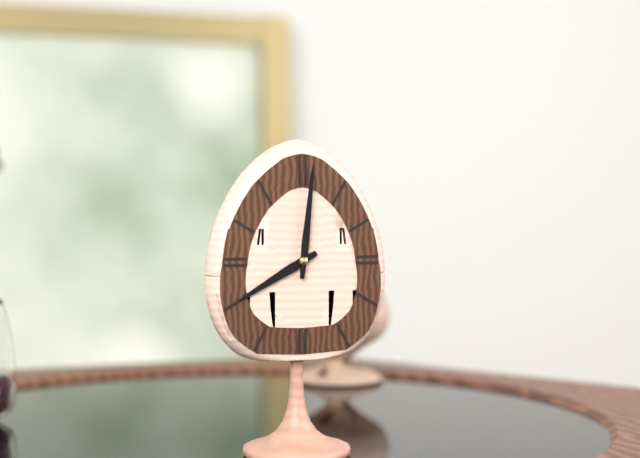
8:01
